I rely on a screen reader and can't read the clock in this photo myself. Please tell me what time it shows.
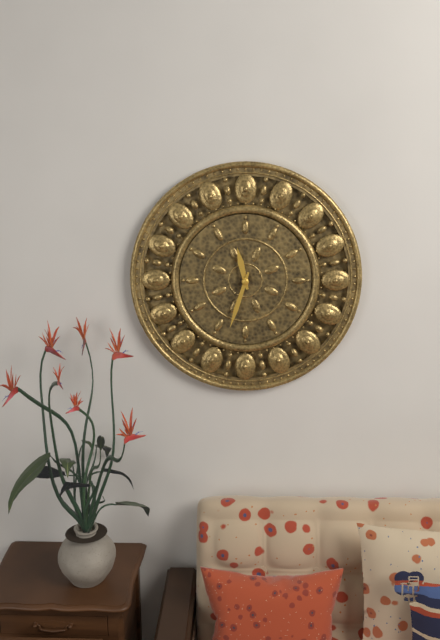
11:33
